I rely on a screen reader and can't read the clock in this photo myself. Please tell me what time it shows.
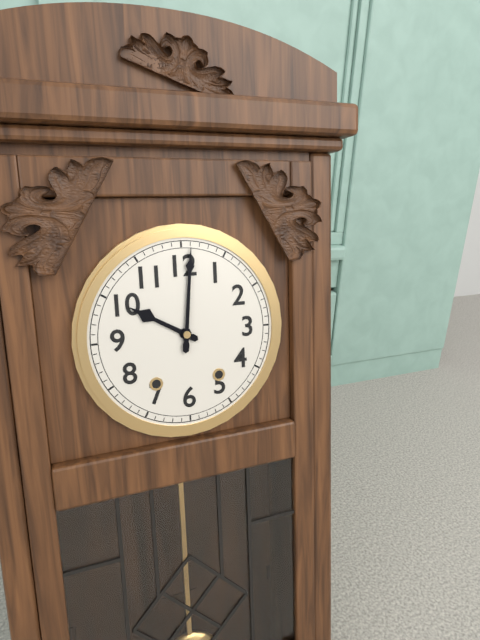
10:01
